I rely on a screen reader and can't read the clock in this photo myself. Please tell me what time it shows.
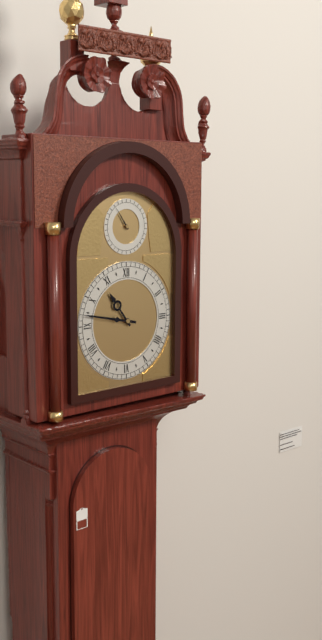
10:47
